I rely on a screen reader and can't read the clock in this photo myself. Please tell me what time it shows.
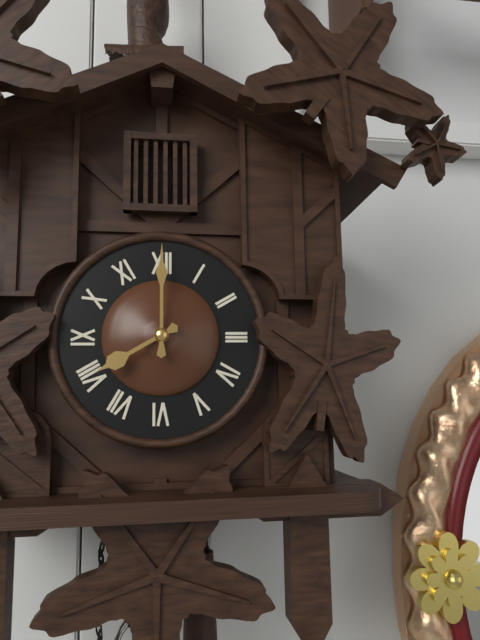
8:00
